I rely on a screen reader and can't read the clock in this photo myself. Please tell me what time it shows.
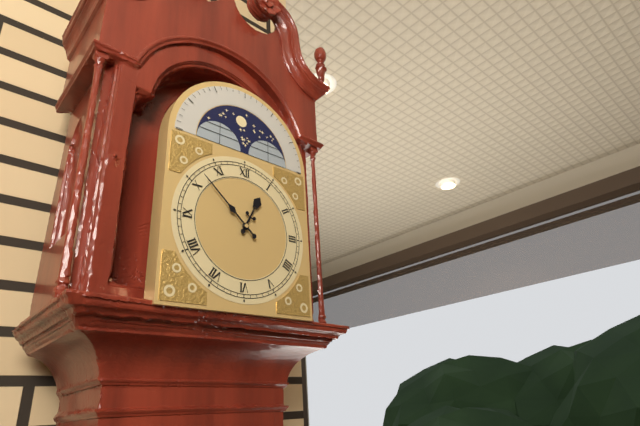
12:52
